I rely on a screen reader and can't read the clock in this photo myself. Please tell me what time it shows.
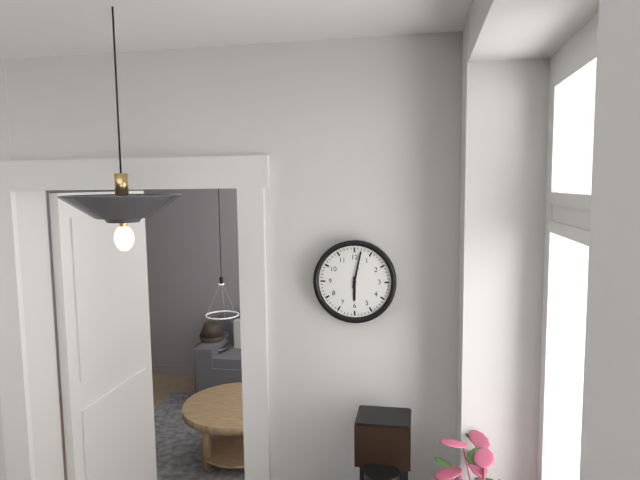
6:02
